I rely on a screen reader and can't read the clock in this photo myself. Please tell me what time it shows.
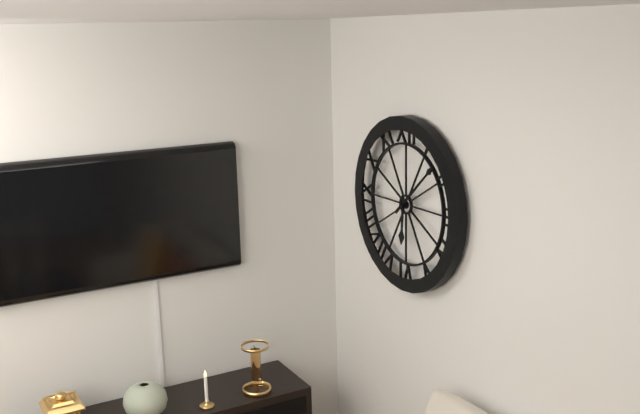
6:08
